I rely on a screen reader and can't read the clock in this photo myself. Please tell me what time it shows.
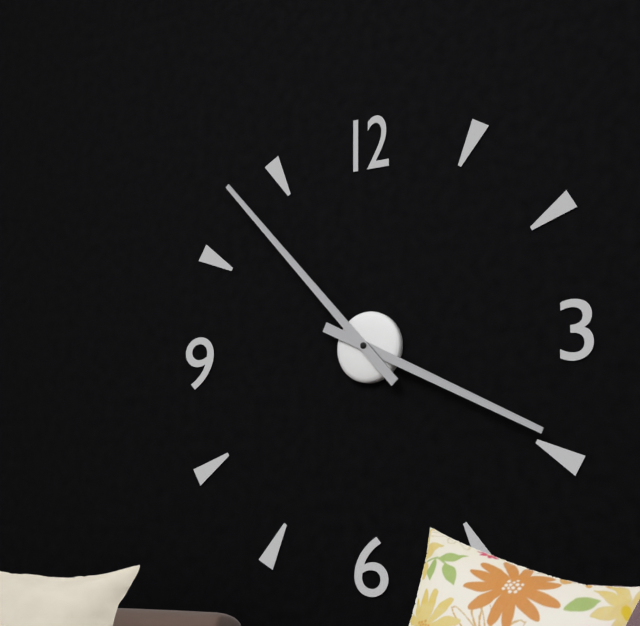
3:53
